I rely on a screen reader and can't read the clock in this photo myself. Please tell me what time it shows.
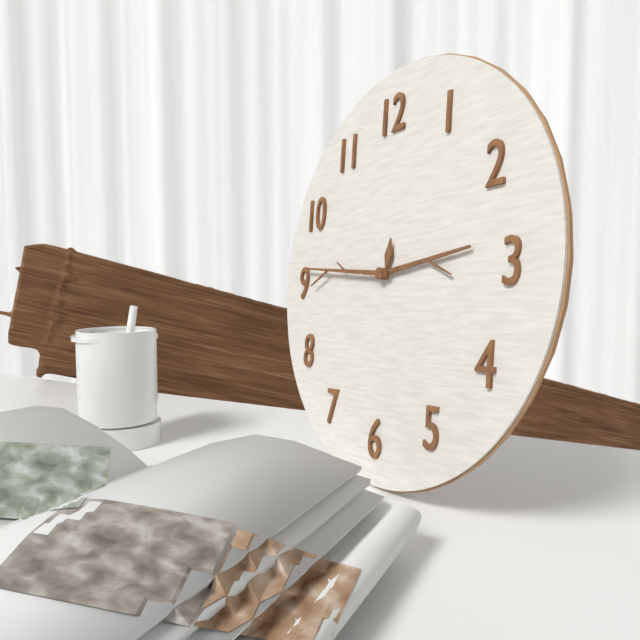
2:46
